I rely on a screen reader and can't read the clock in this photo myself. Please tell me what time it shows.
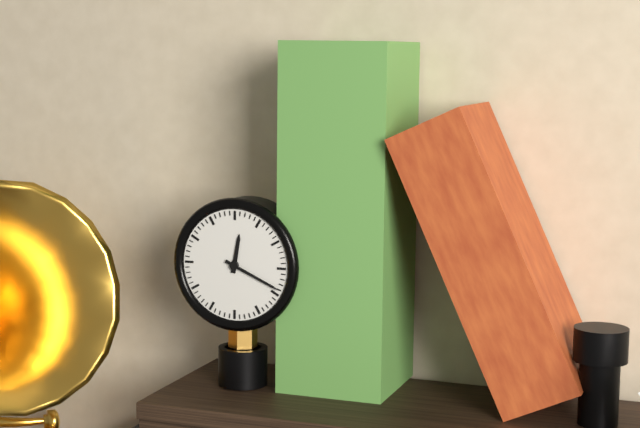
12:19
